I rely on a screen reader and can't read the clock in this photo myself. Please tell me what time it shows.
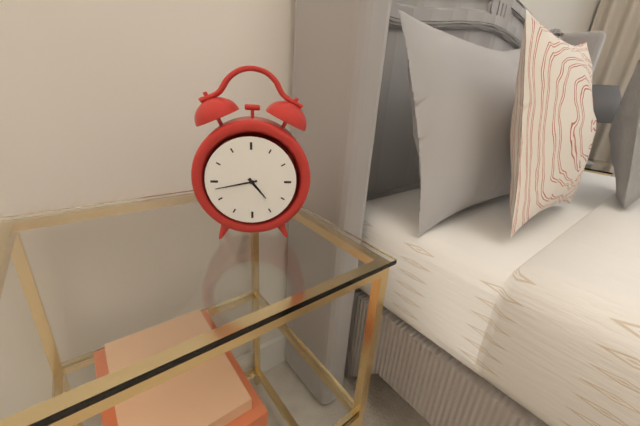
4:43
